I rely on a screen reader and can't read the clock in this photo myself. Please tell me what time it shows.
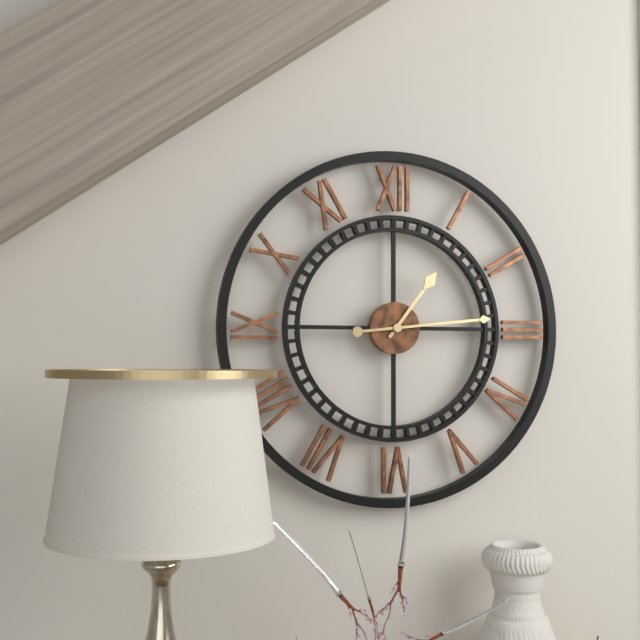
1:14
